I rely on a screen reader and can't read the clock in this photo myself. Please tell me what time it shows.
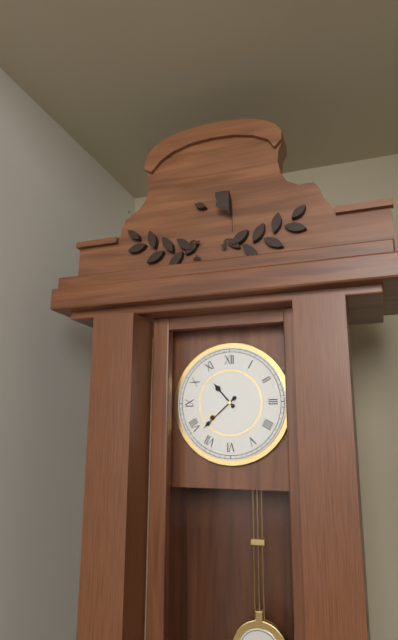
10:38
